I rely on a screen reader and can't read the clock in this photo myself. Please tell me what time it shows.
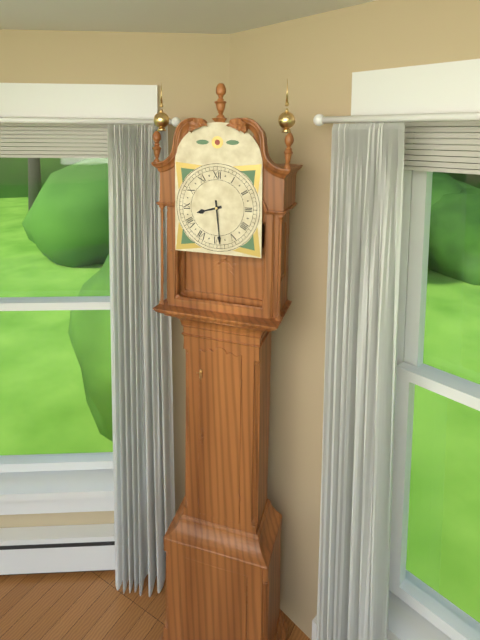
8:29
